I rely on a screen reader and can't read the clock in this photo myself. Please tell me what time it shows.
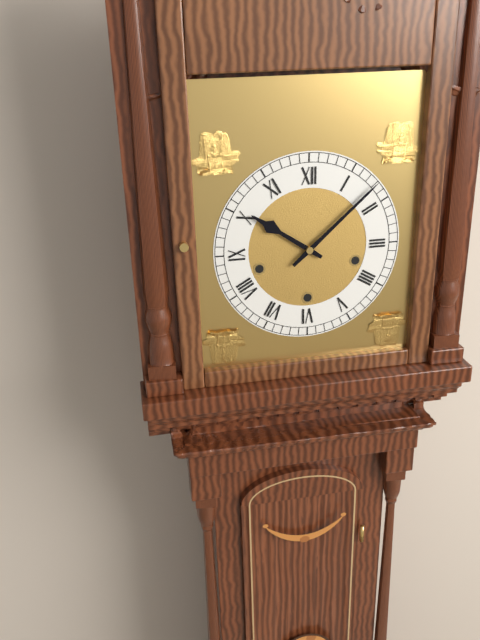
10:08
